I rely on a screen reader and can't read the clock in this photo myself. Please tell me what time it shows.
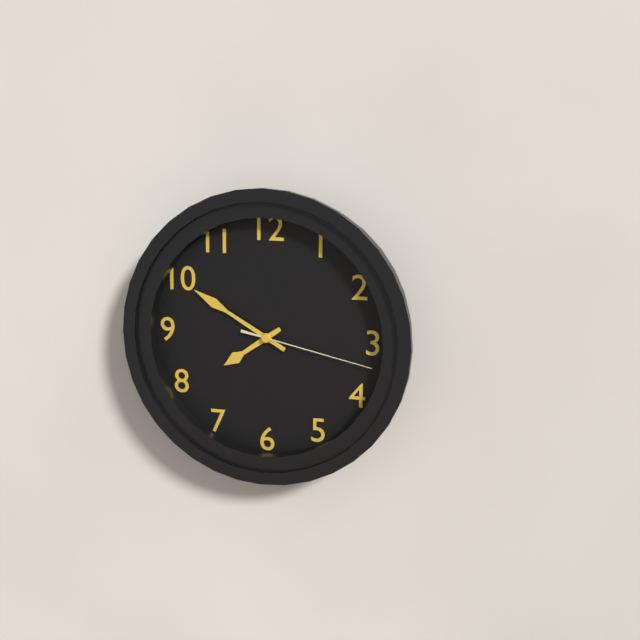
7:50:17
